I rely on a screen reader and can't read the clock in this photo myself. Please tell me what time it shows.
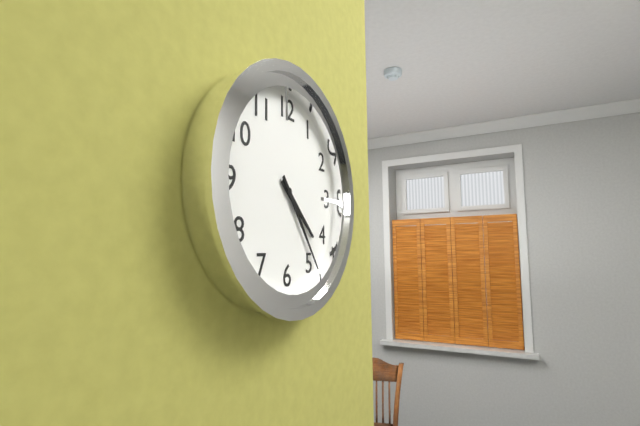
4:24
